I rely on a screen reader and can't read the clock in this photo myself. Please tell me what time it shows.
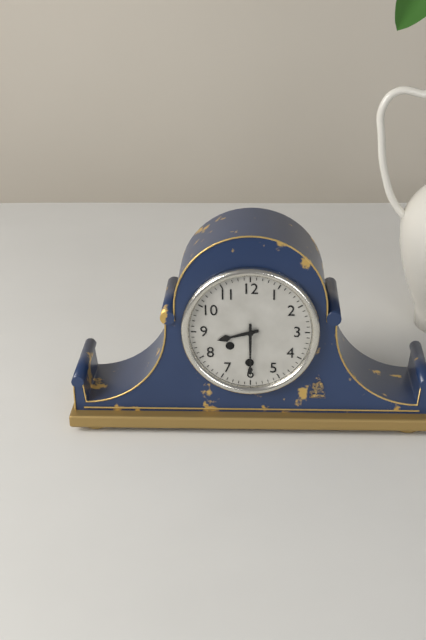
8:30
